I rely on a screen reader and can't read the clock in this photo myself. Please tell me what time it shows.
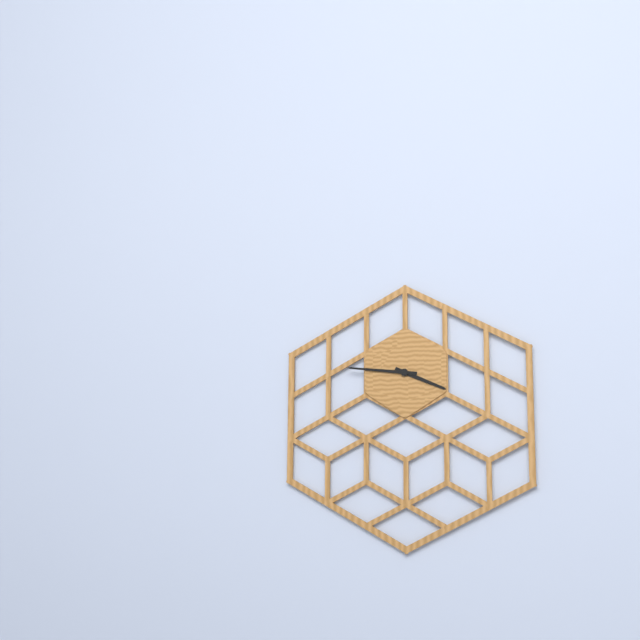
3:46
